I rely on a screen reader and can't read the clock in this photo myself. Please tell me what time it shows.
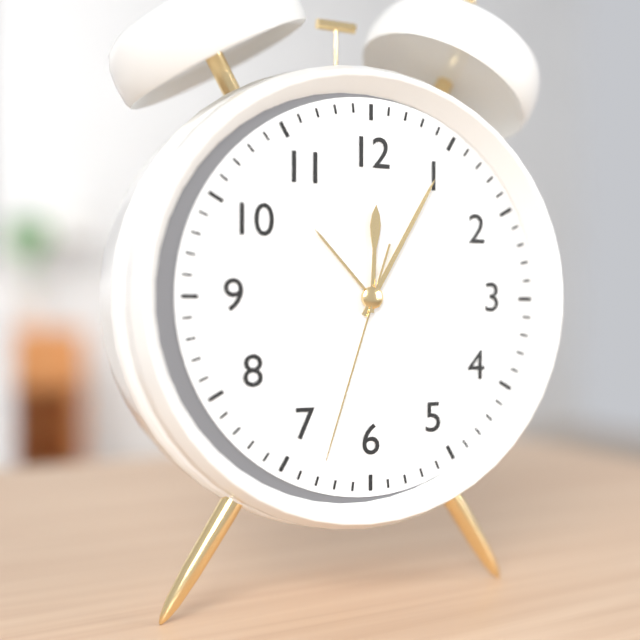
12:05:33
